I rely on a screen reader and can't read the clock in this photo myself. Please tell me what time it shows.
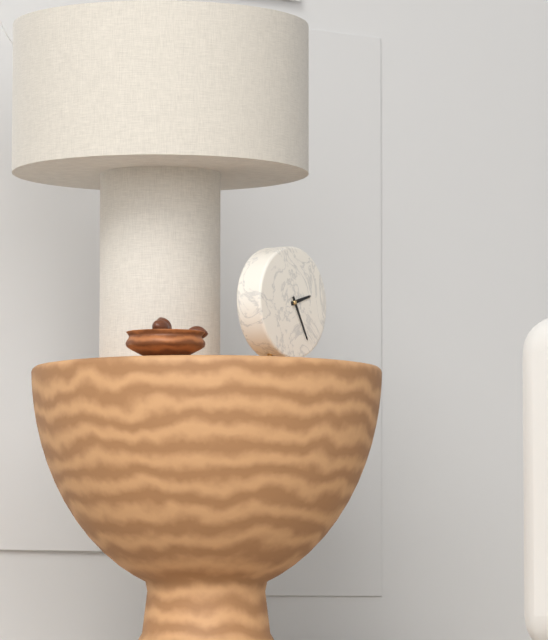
2:25
